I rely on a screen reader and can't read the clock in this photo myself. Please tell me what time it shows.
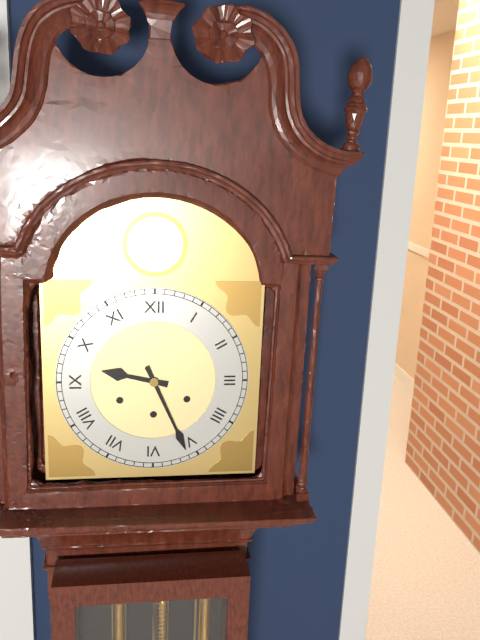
9:26
